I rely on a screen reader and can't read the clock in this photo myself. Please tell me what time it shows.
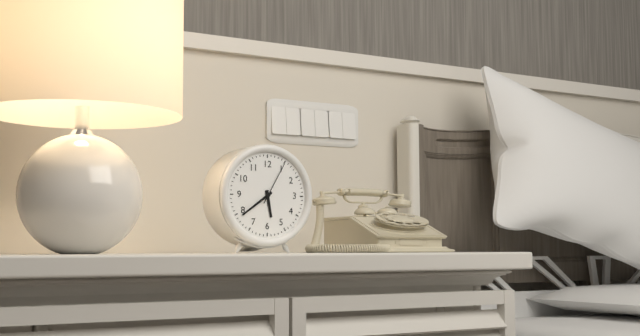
5:39
